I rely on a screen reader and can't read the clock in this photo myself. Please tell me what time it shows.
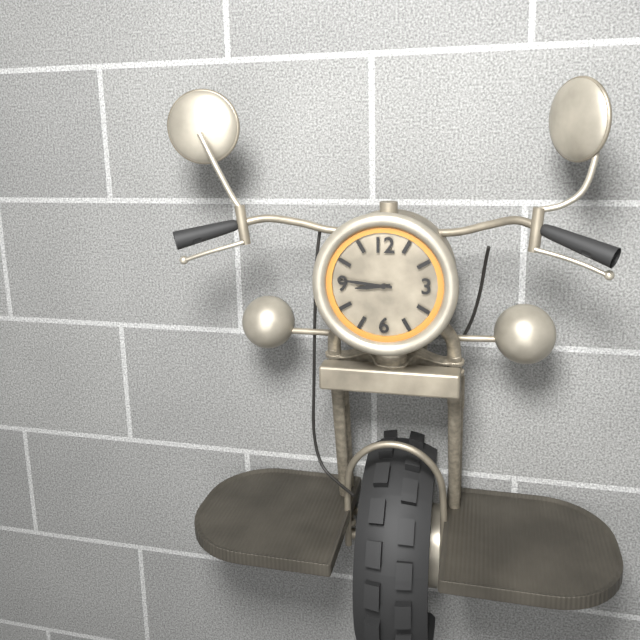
8:46
